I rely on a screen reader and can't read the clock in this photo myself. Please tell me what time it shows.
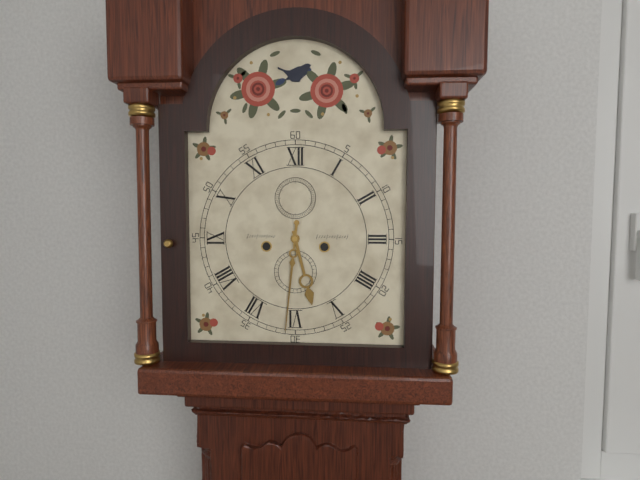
5:31
